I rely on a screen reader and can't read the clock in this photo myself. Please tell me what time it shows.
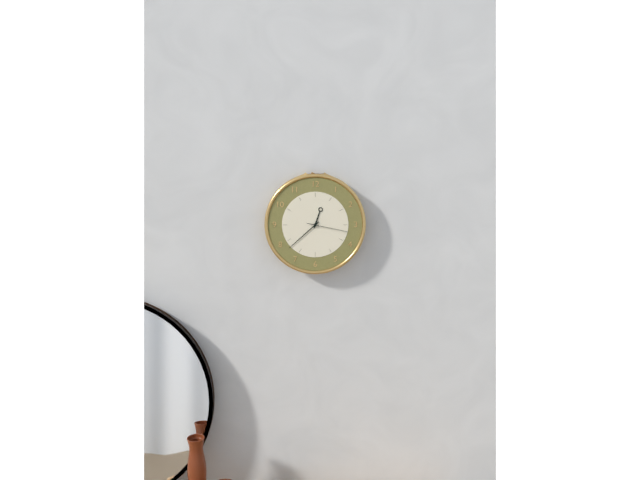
12:38
